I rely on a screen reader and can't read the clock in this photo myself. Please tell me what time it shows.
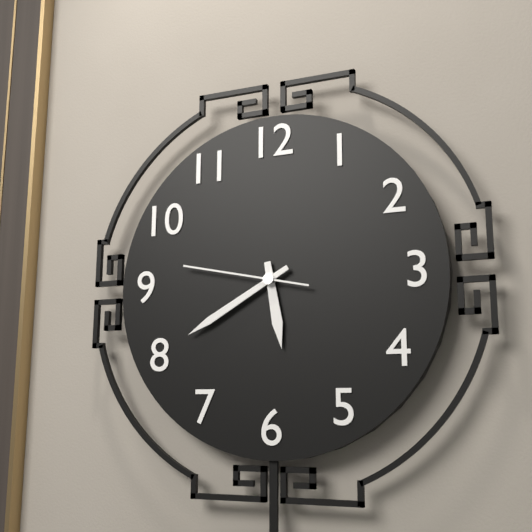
5:40:47
